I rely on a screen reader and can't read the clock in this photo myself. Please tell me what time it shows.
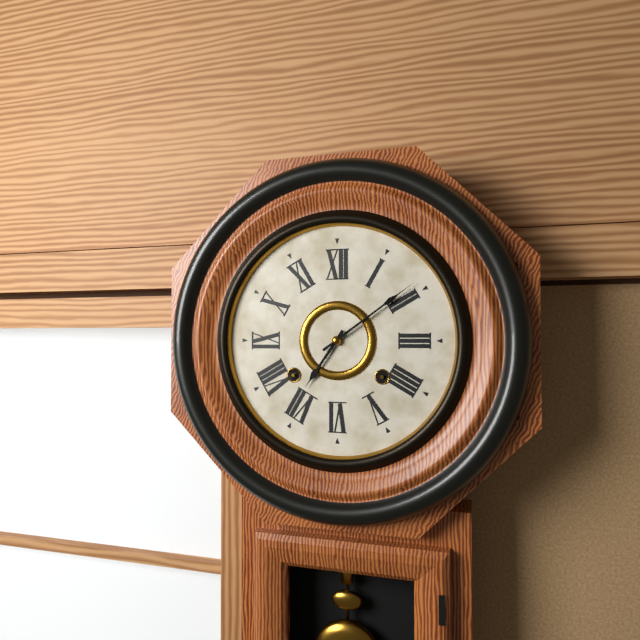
7:09
